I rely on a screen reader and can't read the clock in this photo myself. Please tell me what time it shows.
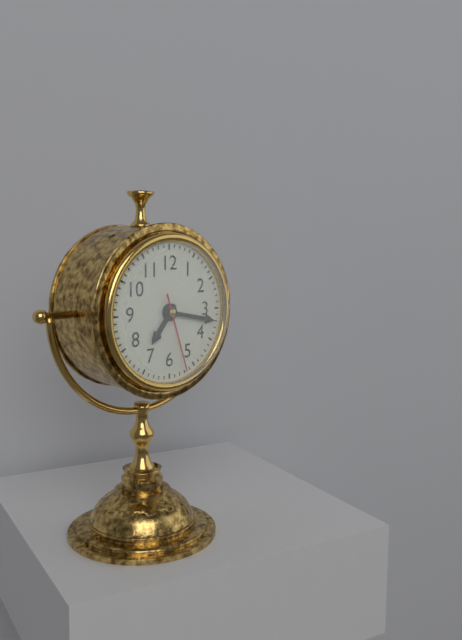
7:17:27
